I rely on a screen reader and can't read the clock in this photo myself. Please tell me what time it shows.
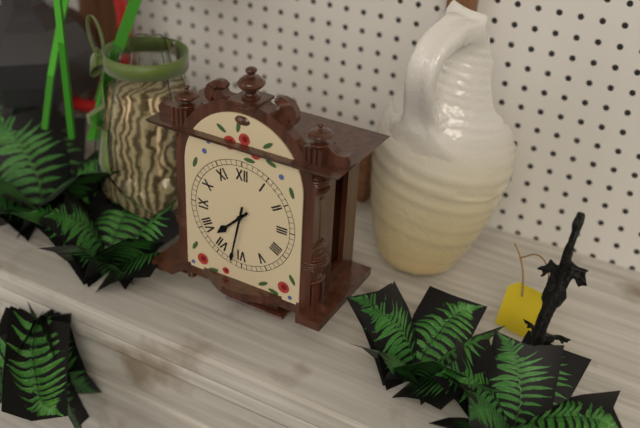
7:32
